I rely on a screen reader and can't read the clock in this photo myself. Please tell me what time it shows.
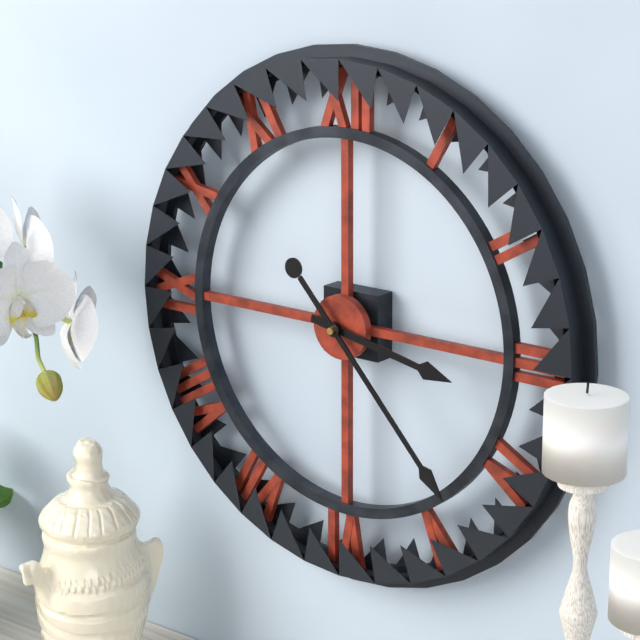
3:23
